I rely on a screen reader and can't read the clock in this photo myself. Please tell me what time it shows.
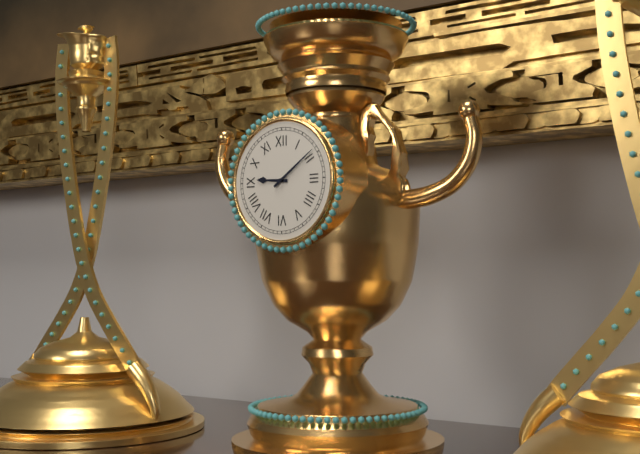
9:09
